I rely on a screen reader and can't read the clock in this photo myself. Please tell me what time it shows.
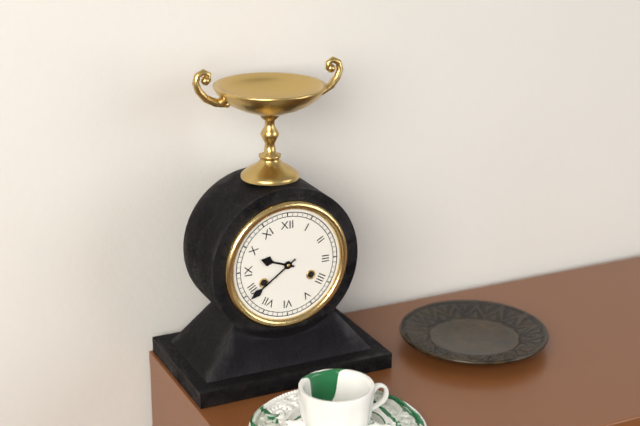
9:39
